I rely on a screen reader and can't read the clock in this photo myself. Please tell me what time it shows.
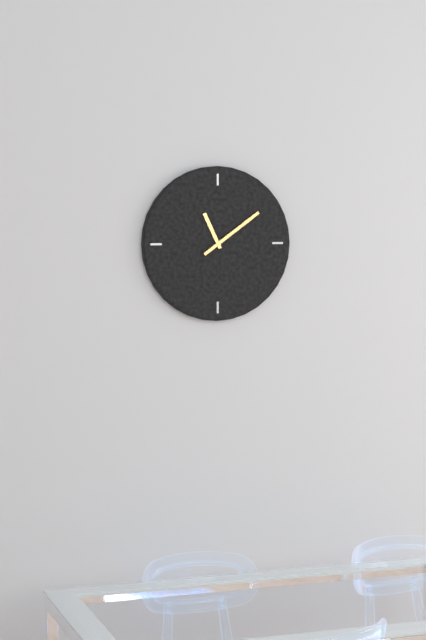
11:09
